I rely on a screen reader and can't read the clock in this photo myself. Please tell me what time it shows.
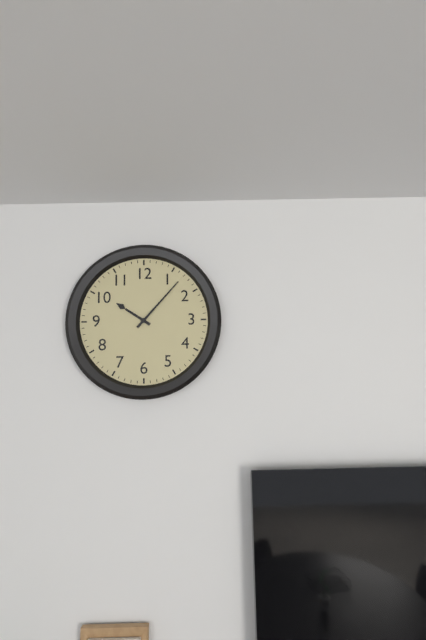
10:07
